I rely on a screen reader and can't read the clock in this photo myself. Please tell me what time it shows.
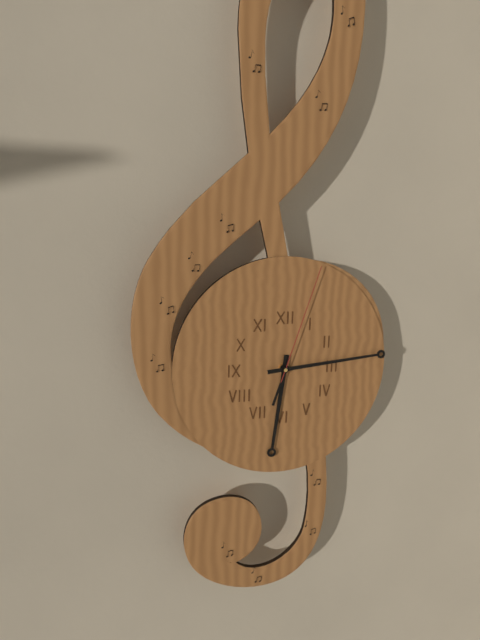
6:14:03
